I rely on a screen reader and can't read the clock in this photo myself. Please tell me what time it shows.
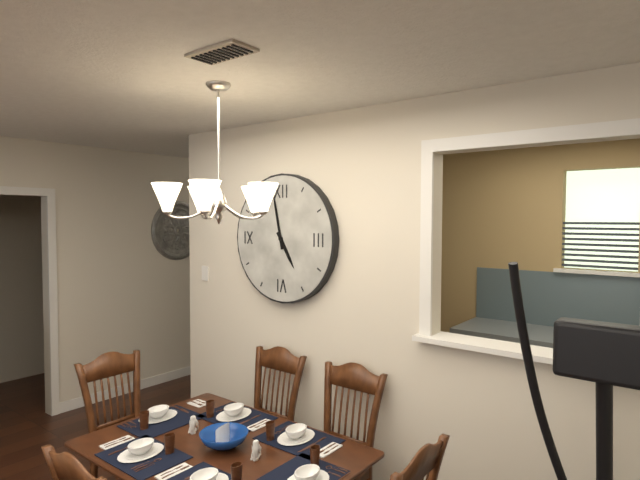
4:58
